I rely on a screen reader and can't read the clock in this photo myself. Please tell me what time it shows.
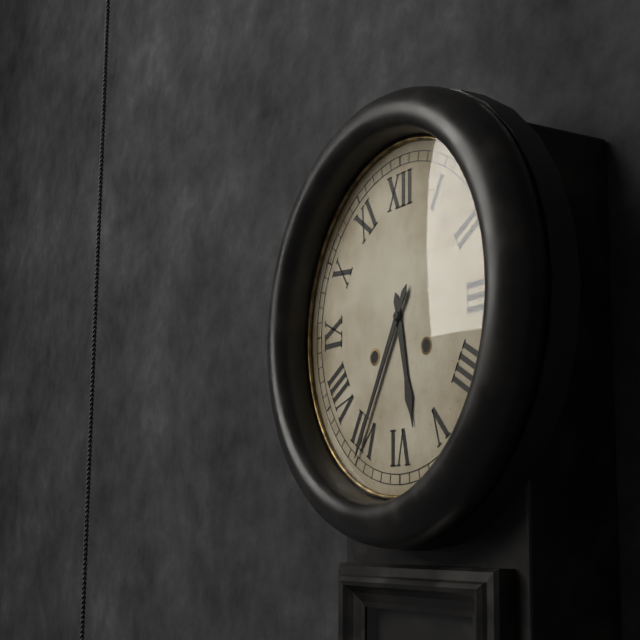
5:35
